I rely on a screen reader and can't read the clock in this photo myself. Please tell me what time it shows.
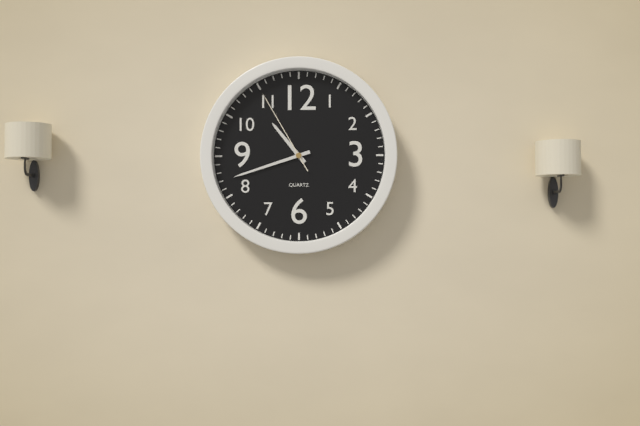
10:42:55
